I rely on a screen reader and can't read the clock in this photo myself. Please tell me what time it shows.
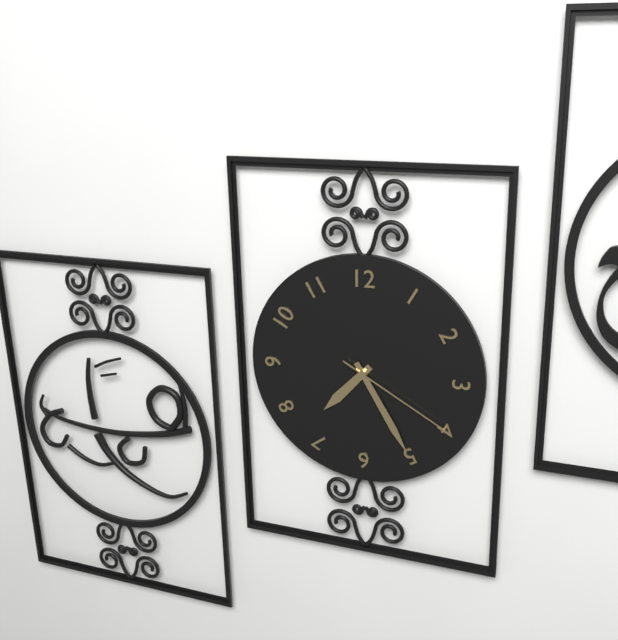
7:25:20
